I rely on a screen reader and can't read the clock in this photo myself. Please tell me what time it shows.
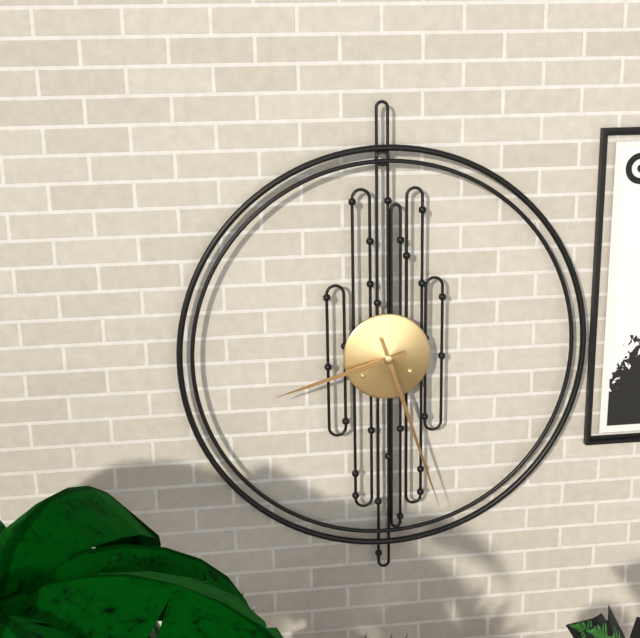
8:27
